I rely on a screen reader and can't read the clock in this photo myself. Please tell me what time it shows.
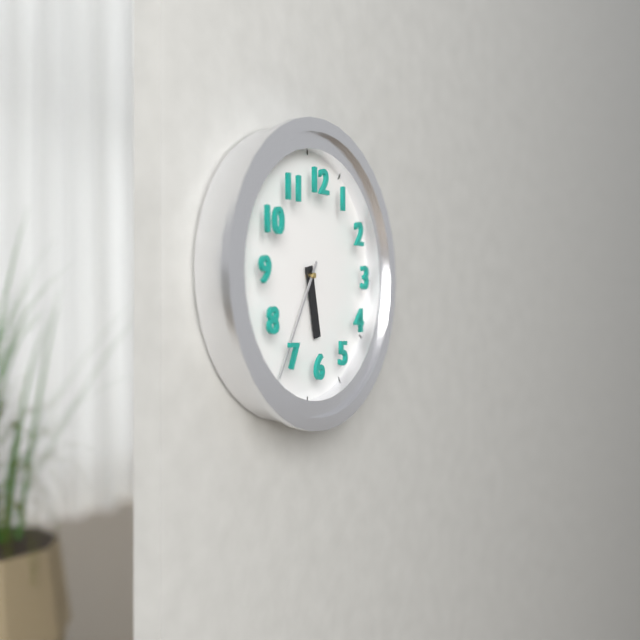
5:35
